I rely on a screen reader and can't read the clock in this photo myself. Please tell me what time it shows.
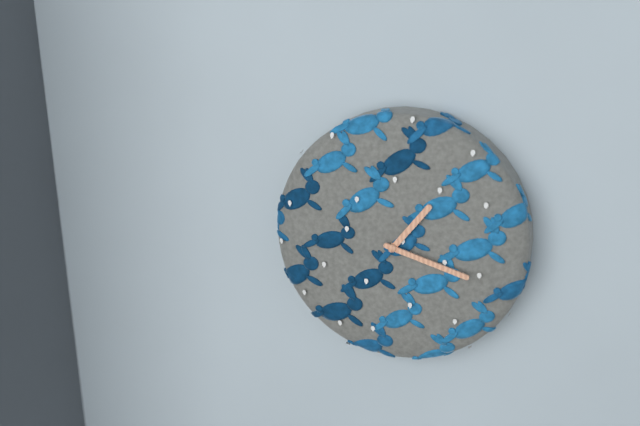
1:18
